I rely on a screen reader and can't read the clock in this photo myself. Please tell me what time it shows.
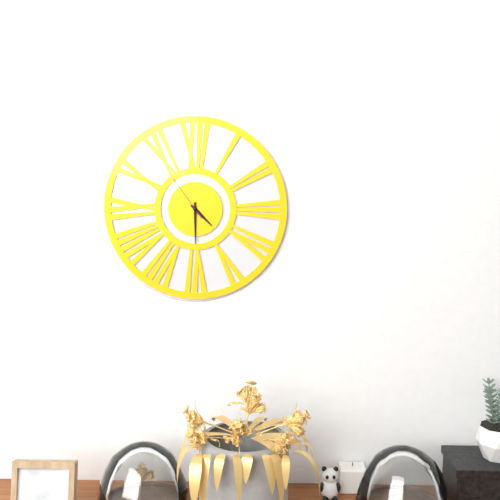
4:30
